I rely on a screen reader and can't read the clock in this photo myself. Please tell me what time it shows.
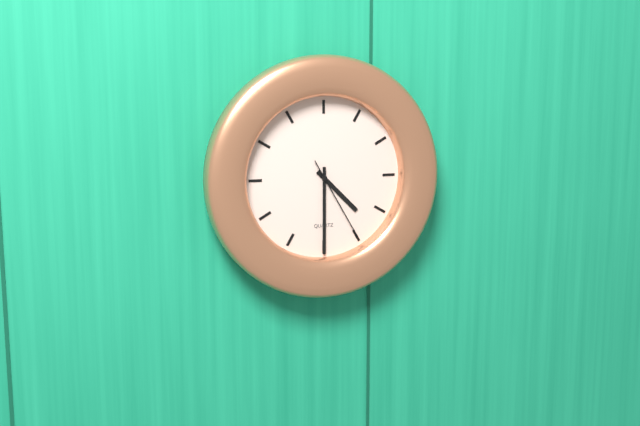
4:30:25
